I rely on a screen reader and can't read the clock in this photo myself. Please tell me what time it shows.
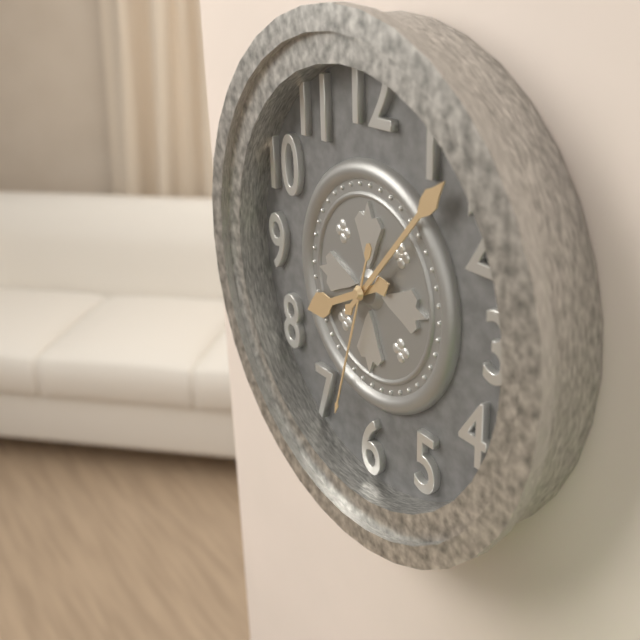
8:07:33
